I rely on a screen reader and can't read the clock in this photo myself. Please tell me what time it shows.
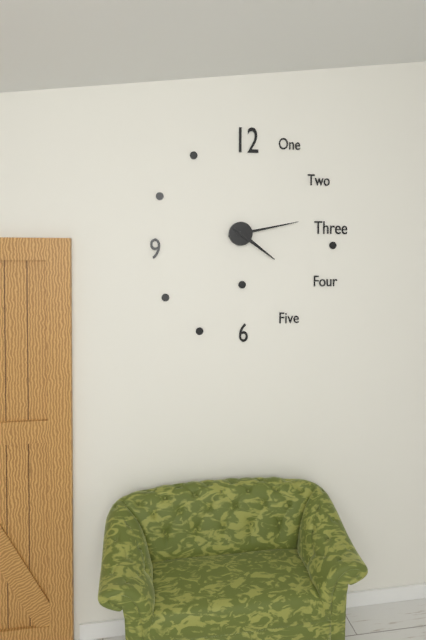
4:13
